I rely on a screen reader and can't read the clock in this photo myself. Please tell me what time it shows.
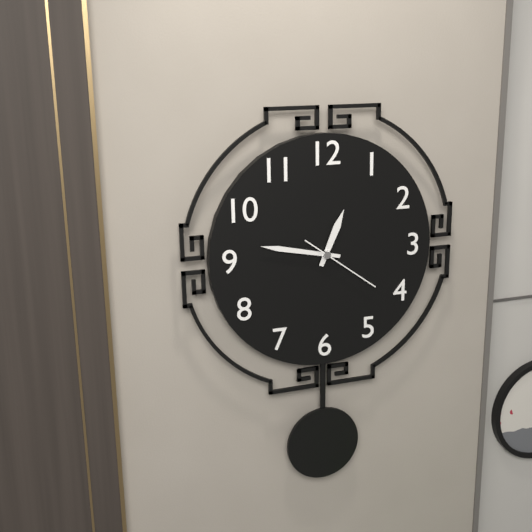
12:47:21
